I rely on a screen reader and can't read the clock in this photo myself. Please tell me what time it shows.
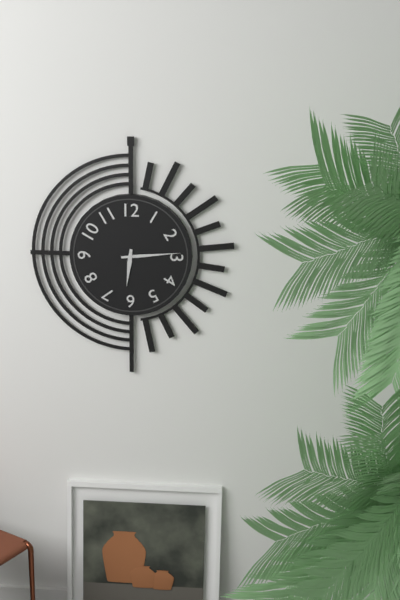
6:14
